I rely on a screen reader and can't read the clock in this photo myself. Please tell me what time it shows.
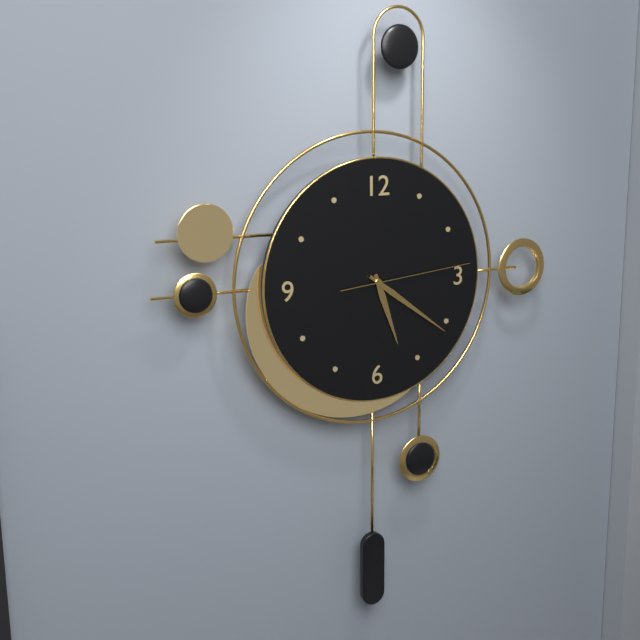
5:21:14
